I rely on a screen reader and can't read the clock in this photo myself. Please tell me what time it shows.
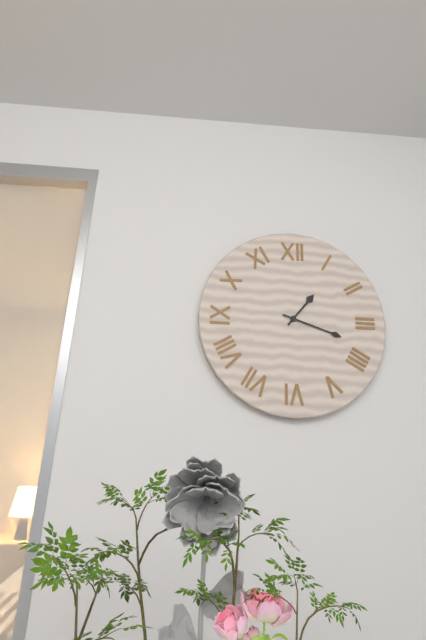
1:18
